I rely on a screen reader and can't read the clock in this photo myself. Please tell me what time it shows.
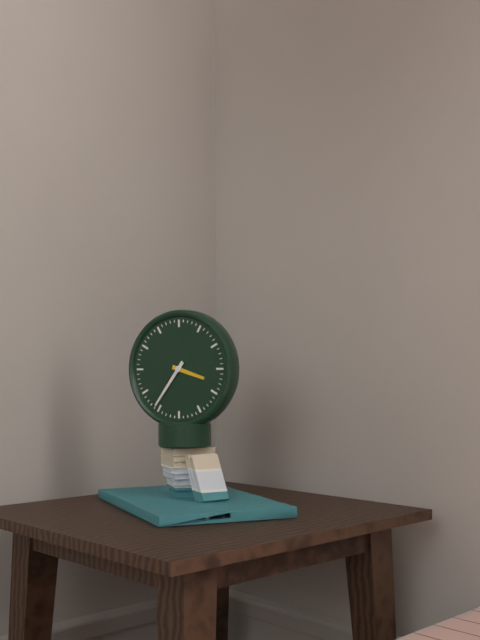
3:36
